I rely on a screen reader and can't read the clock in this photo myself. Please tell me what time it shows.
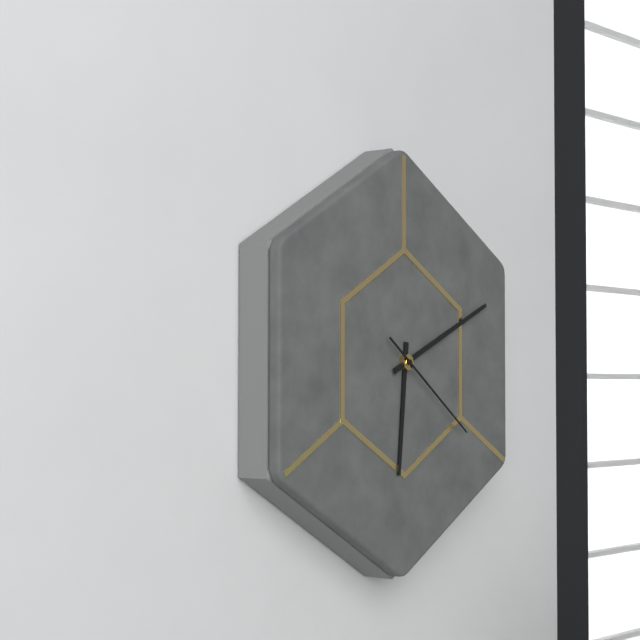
6:11:21
